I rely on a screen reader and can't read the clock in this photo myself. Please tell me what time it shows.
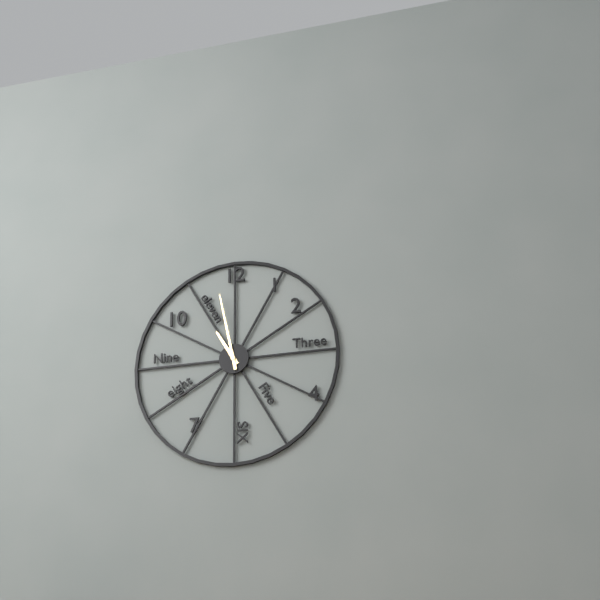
10:58
